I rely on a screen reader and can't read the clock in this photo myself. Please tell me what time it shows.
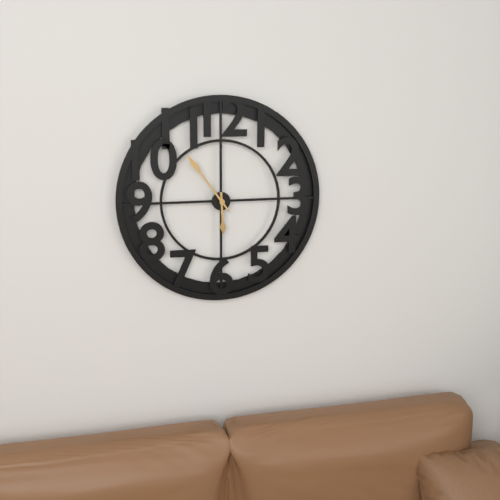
5:54
